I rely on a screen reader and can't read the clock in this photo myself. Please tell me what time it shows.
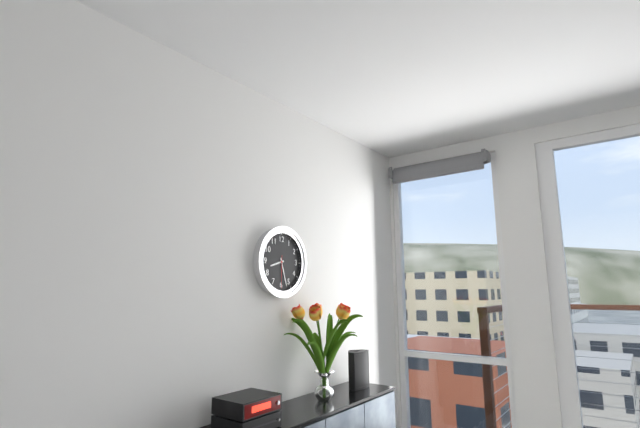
8:27
